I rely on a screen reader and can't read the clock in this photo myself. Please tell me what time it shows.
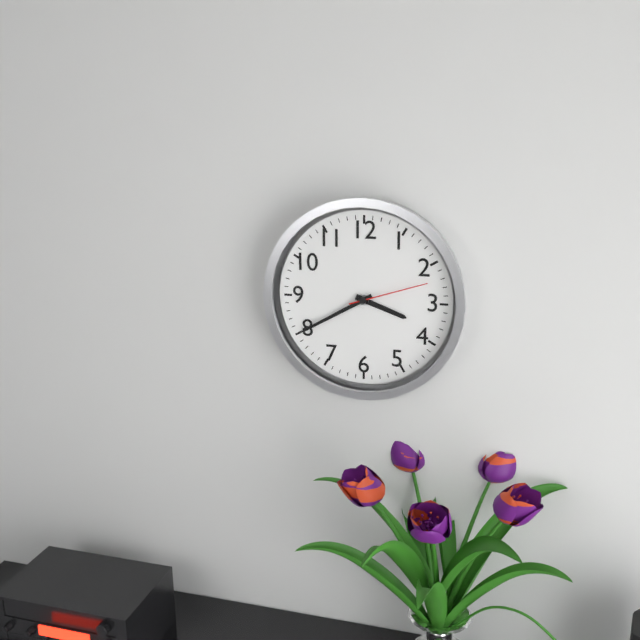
3:40:12
